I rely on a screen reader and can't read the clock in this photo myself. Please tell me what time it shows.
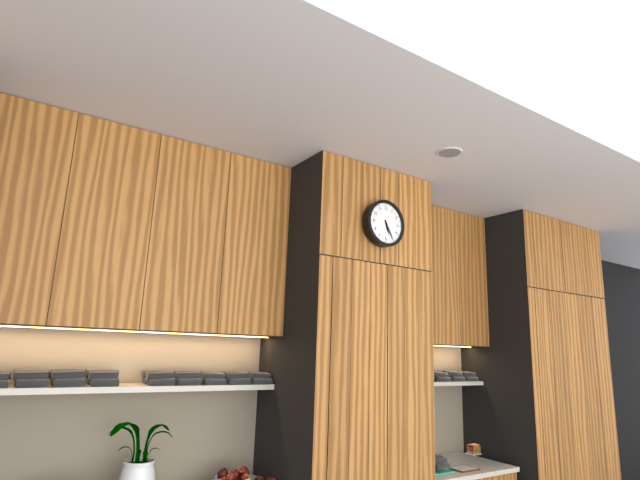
5:25
